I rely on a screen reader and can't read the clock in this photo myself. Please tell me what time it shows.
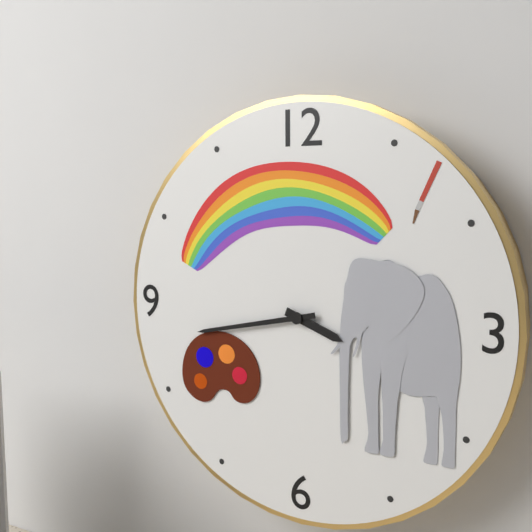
3:43
